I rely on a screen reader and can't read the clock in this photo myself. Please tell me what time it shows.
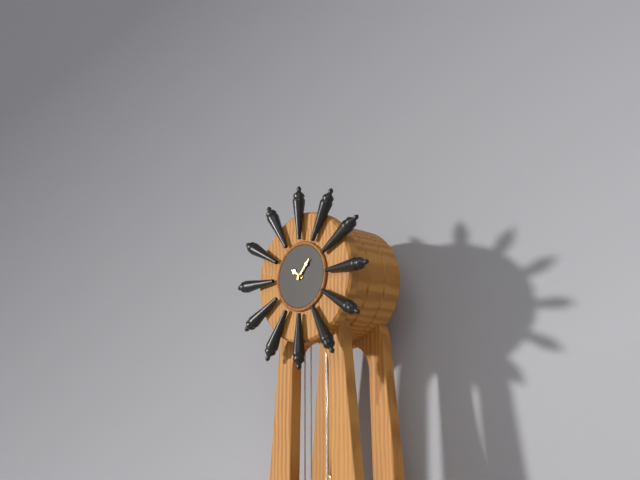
10:07
